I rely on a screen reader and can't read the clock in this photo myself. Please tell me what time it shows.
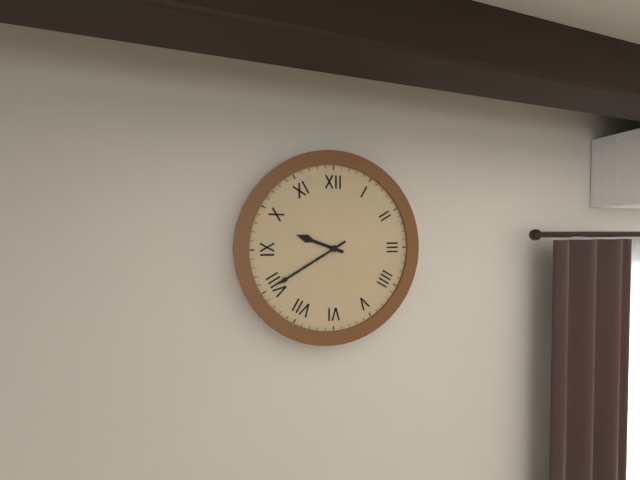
9:40
